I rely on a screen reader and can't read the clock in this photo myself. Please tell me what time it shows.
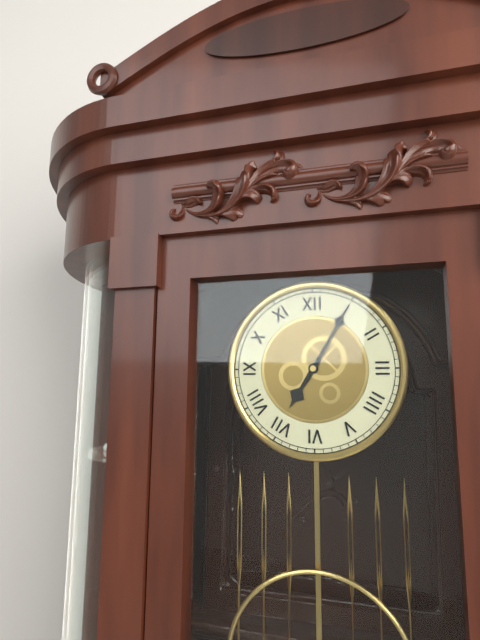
7:05
